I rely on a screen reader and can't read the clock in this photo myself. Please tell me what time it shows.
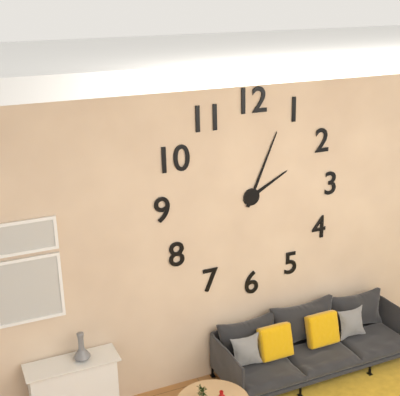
2:04
